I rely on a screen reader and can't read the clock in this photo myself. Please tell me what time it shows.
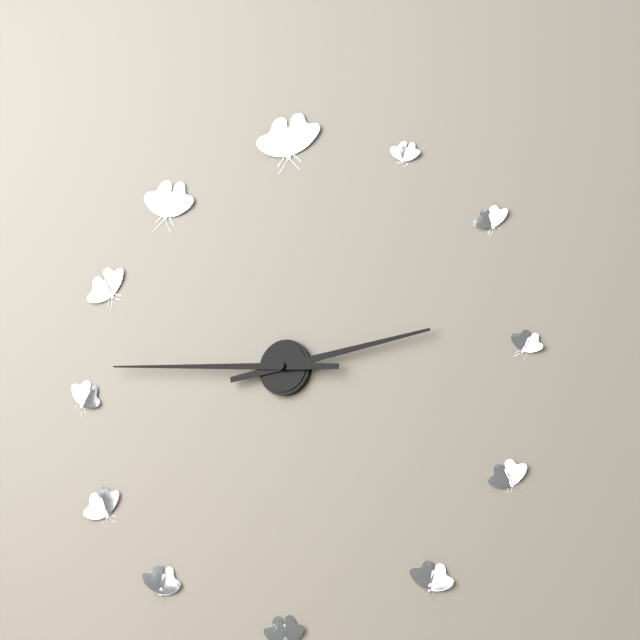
2:46
